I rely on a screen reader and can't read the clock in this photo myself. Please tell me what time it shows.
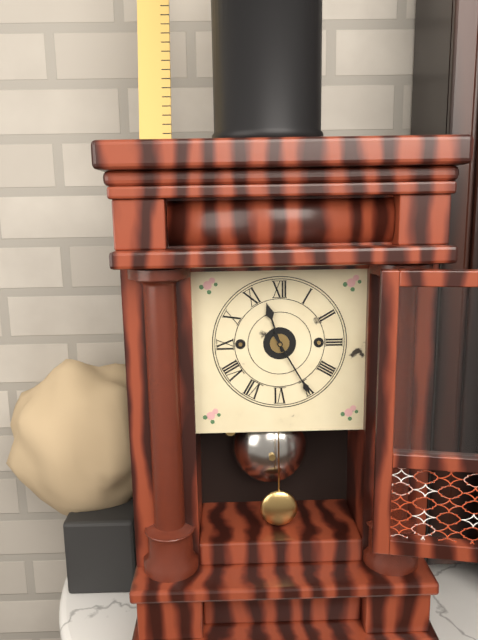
11:25
